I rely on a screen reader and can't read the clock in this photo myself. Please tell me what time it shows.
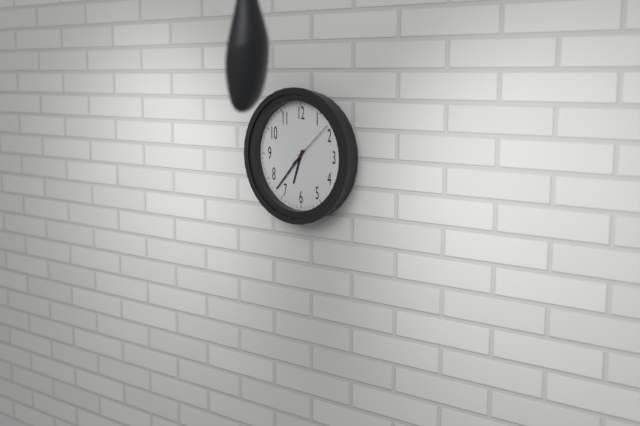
6:37:08
